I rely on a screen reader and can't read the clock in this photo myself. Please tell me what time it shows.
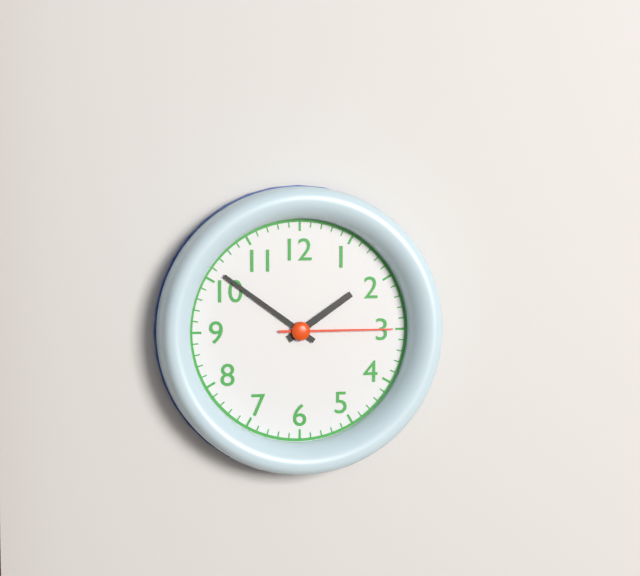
1:51:15
